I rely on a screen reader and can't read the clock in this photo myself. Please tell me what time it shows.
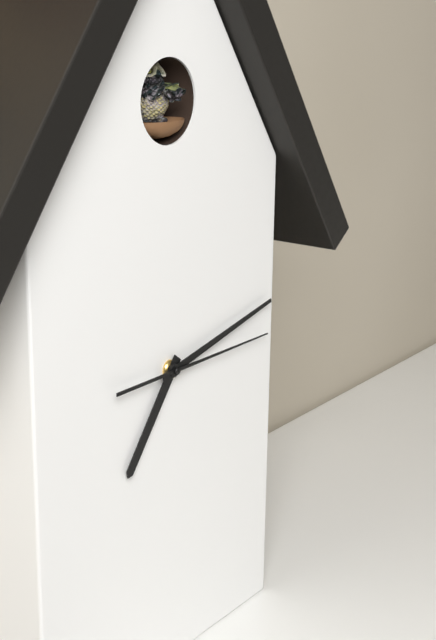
7:13:15
